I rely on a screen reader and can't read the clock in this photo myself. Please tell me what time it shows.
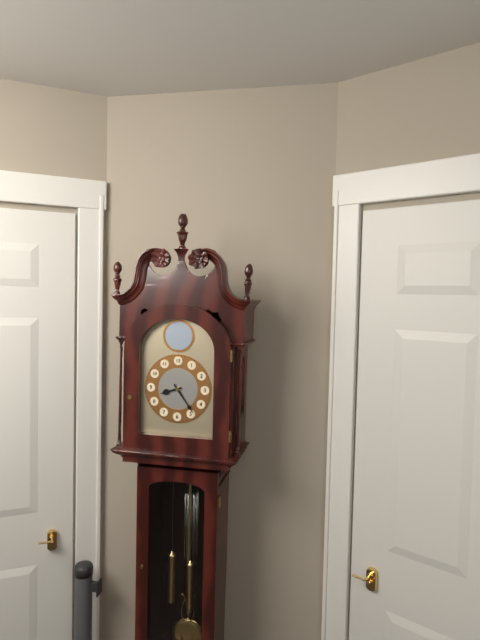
8:24
